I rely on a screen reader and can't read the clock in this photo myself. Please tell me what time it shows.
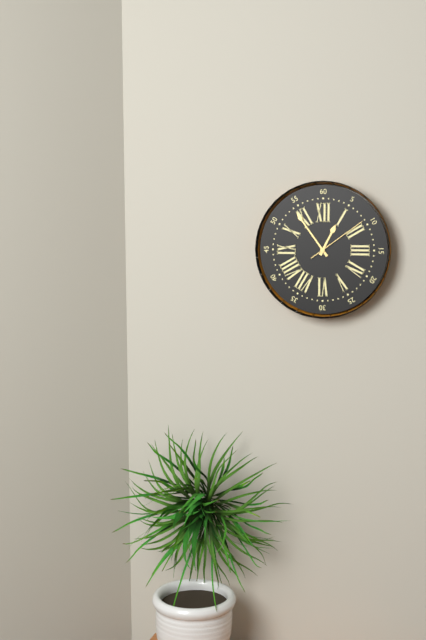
12:54:09
